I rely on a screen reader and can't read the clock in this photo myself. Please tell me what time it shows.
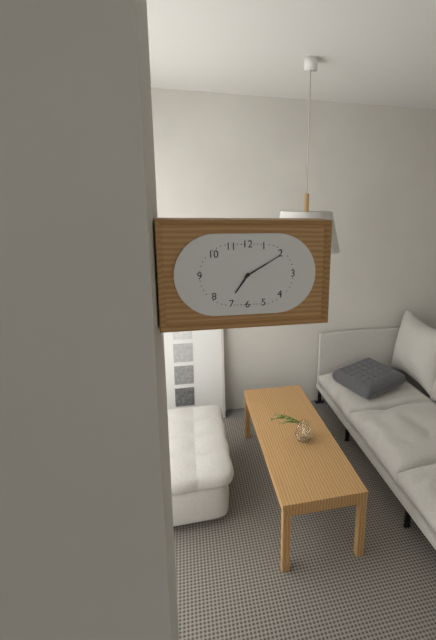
7:10
